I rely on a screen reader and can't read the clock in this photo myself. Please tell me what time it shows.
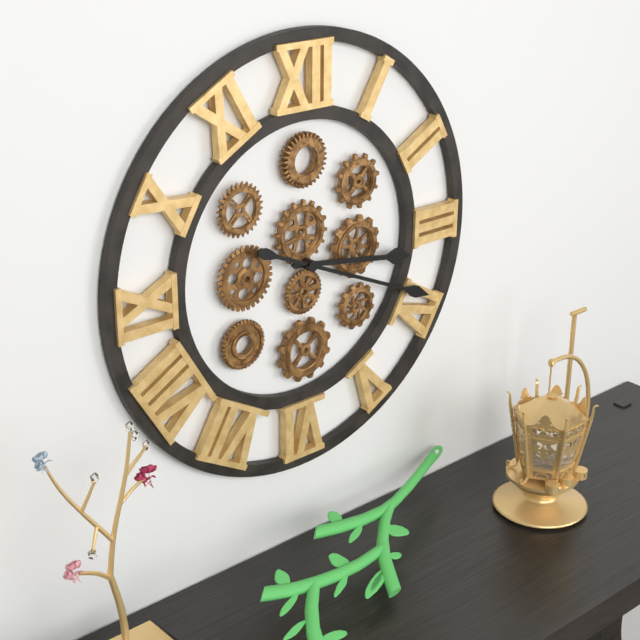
3:19
